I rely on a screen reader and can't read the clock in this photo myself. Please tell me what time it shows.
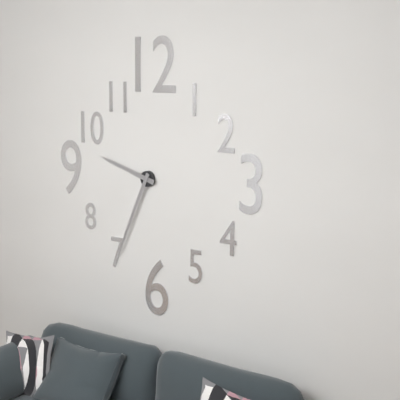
9:34
